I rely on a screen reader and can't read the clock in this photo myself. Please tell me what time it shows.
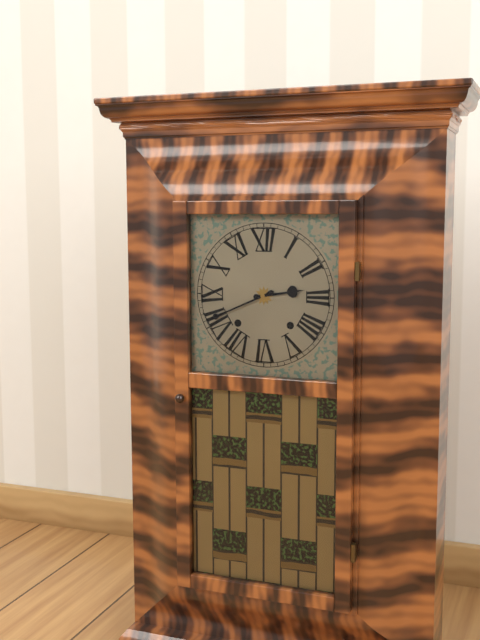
2:41
